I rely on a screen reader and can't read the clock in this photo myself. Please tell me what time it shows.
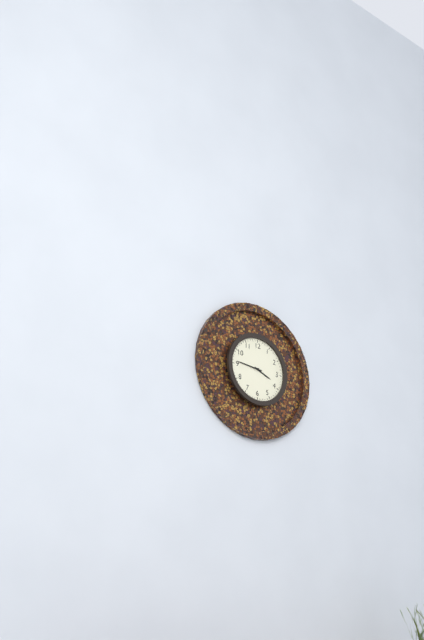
3:46
